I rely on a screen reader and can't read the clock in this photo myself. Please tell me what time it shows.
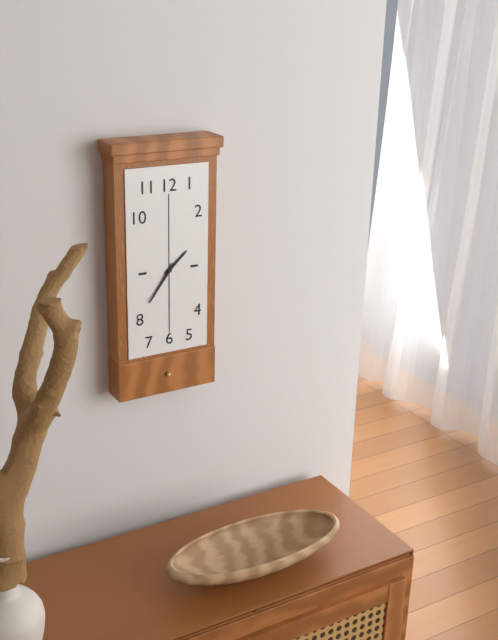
1:36
